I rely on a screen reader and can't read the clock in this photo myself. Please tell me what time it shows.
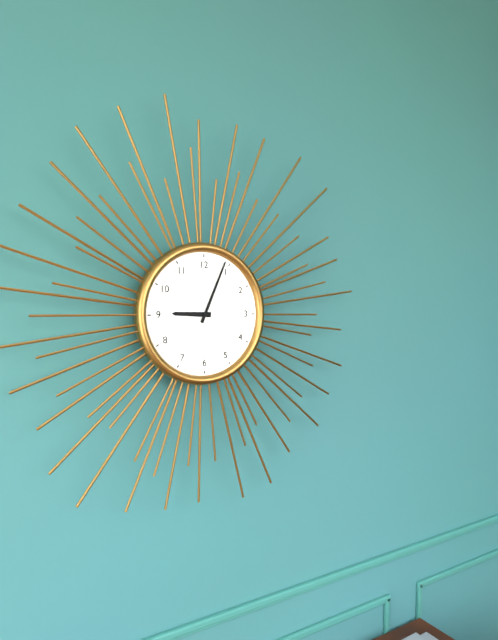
9:04
